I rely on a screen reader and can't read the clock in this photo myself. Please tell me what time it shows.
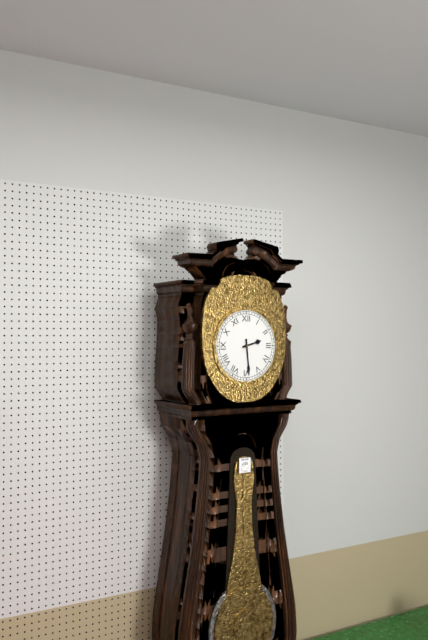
2:29
